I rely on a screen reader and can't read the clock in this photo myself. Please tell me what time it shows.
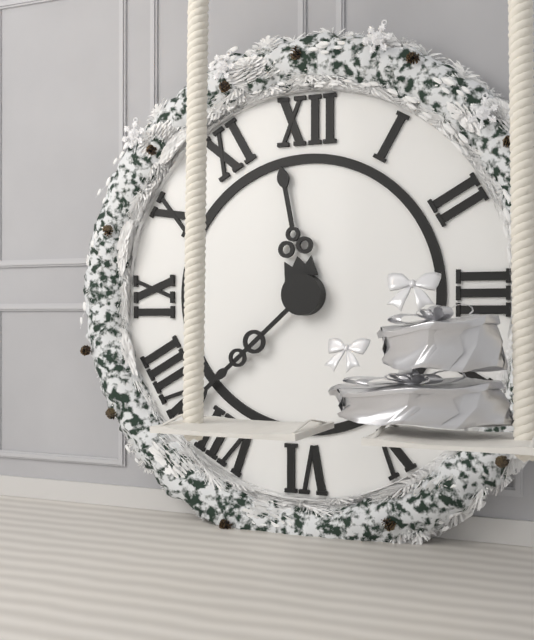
11:38
